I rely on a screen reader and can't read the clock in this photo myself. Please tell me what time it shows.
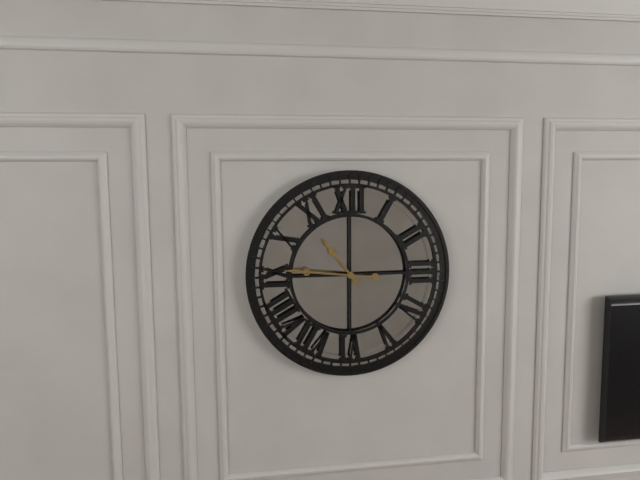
10:46
